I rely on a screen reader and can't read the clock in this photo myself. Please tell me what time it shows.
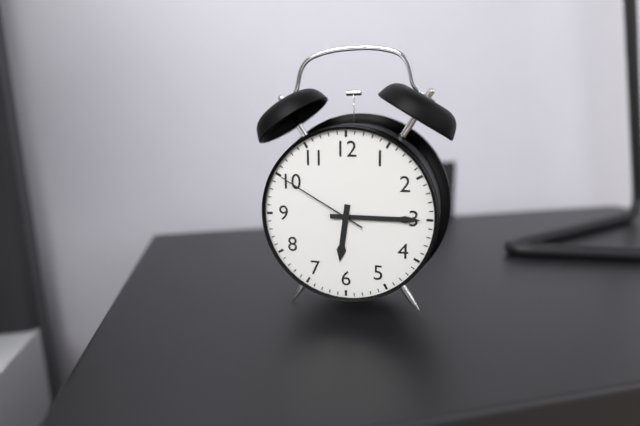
6:15:50
